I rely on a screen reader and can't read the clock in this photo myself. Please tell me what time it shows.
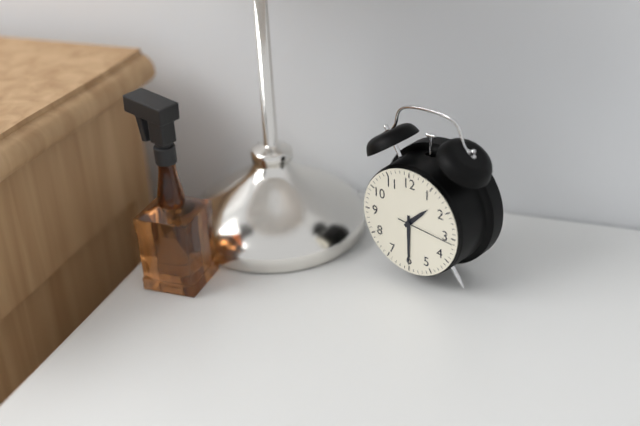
1:30:16
